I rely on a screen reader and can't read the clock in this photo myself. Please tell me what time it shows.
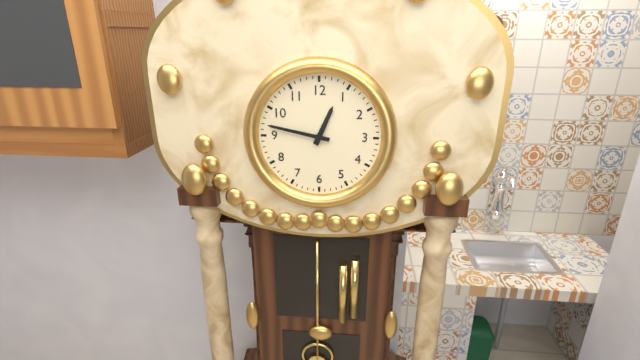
12:47
